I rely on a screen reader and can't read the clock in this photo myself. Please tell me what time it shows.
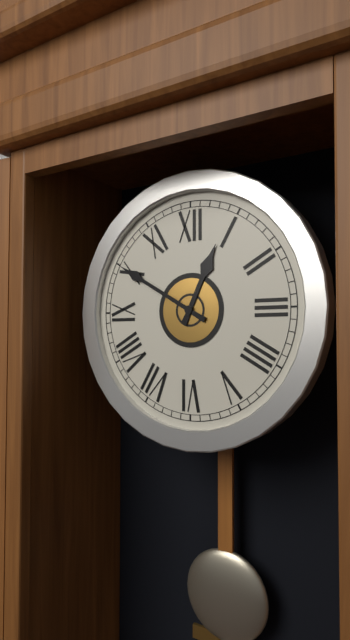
12:50
